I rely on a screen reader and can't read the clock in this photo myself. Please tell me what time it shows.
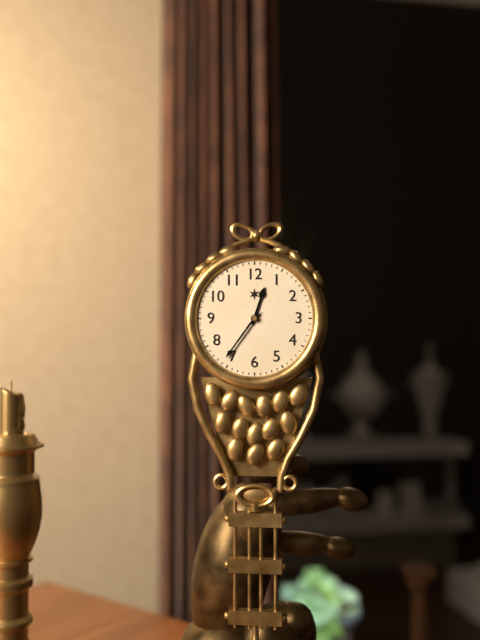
12:36
